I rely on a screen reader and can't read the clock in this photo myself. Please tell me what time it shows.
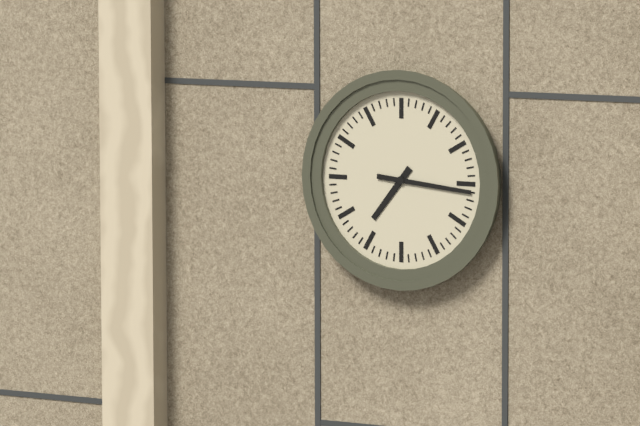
7:16
